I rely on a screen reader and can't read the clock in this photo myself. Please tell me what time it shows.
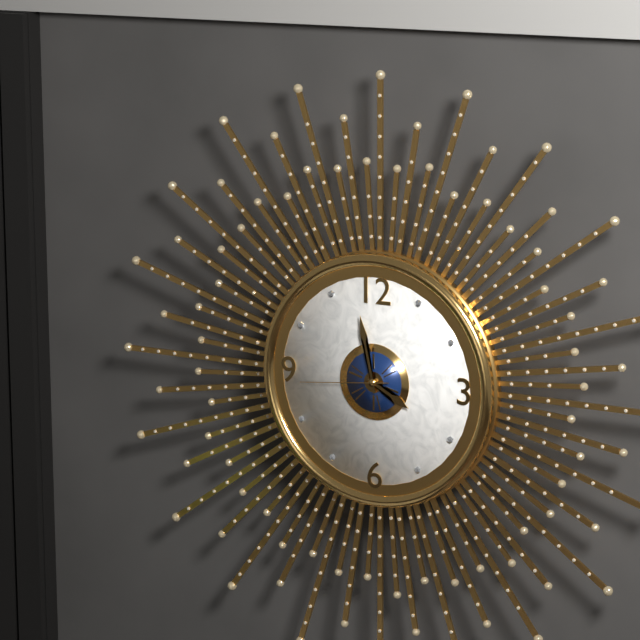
3:58:44
